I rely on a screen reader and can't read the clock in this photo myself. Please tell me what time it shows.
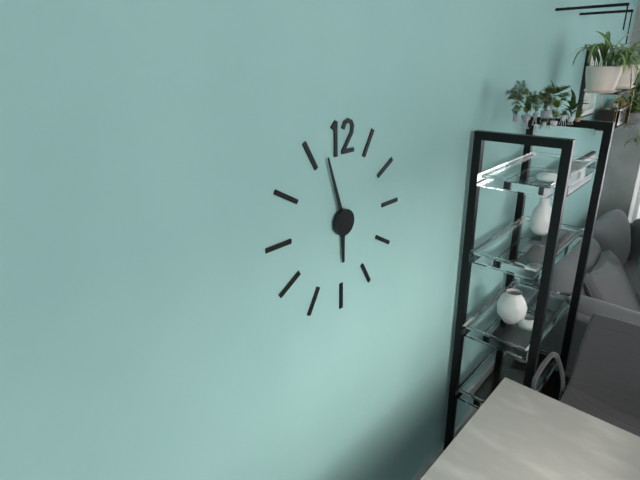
5:57
